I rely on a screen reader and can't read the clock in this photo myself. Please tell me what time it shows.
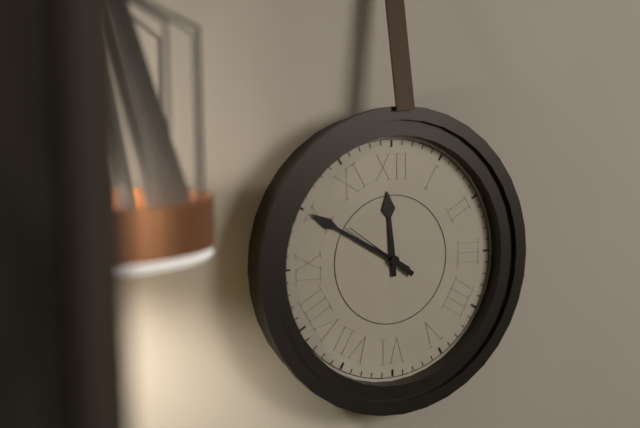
11:50:51
